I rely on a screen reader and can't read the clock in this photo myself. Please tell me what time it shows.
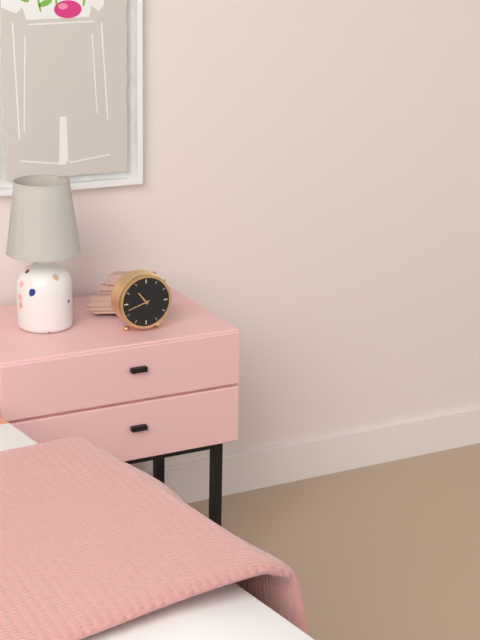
10:42
